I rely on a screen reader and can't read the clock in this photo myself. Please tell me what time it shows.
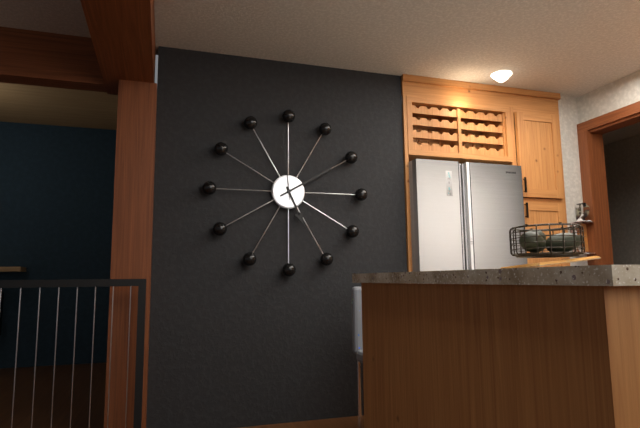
5:10:59
